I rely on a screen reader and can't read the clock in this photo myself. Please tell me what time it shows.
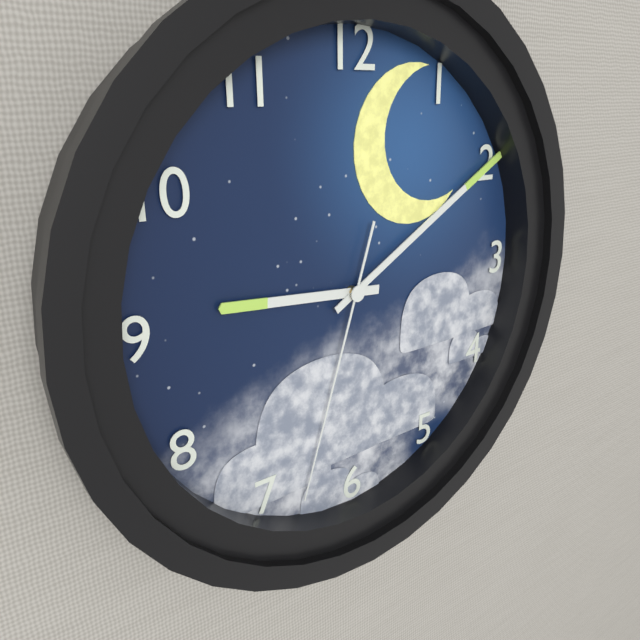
9:10:33
